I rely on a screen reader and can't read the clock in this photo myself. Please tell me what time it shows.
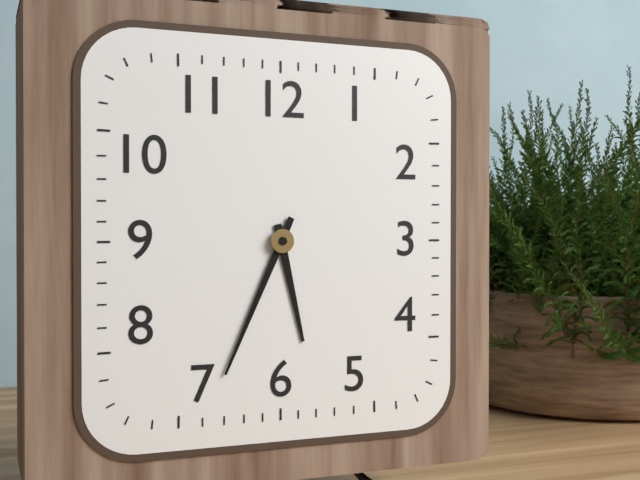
5:34
